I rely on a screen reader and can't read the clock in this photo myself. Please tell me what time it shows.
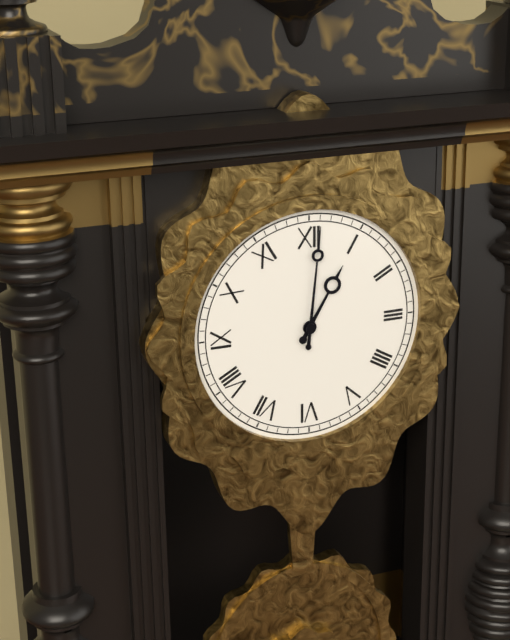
1:01
